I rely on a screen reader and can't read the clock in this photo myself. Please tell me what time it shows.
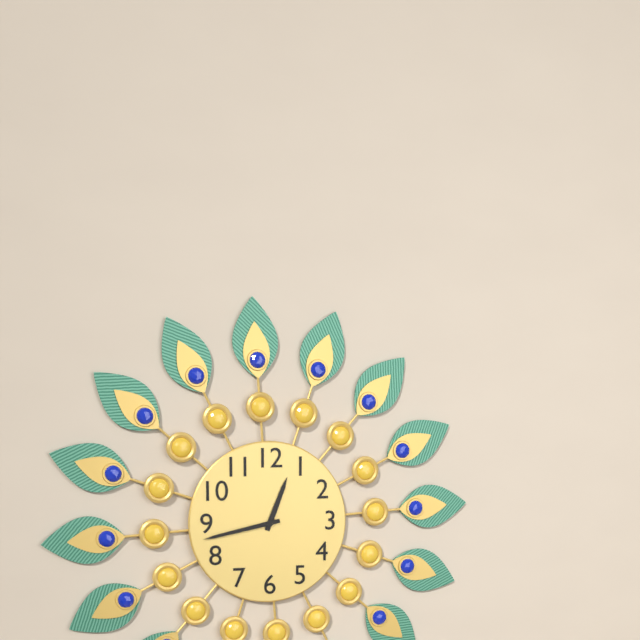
12:43
